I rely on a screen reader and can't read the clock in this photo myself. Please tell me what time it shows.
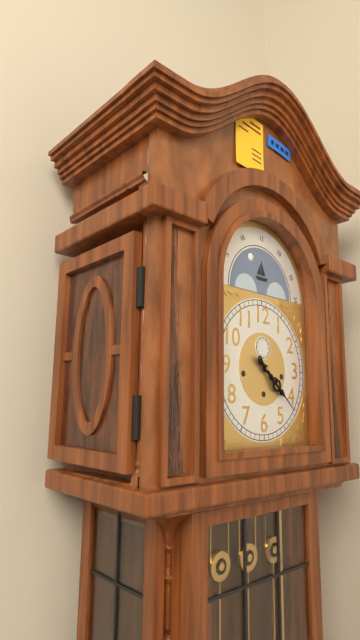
4:22
